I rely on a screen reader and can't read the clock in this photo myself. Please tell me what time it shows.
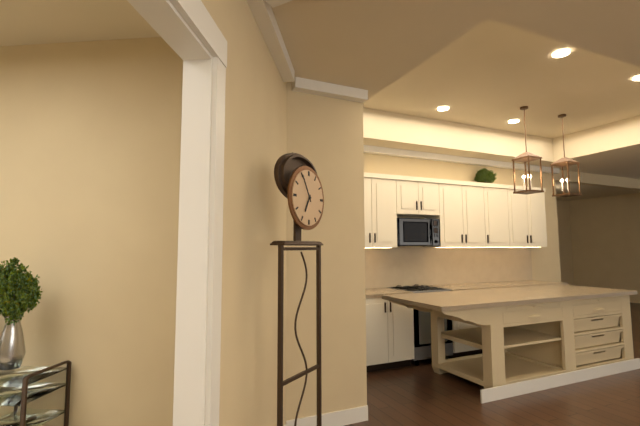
6:55
